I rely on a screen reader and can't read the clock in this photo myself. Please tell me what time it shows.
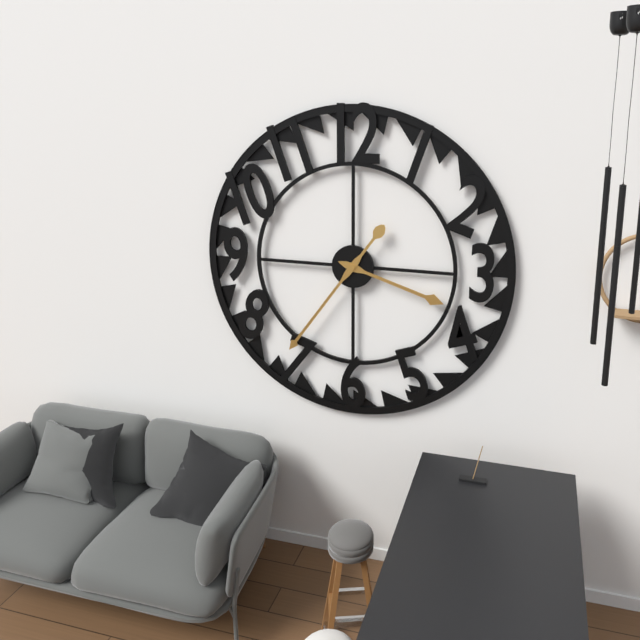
3:36
